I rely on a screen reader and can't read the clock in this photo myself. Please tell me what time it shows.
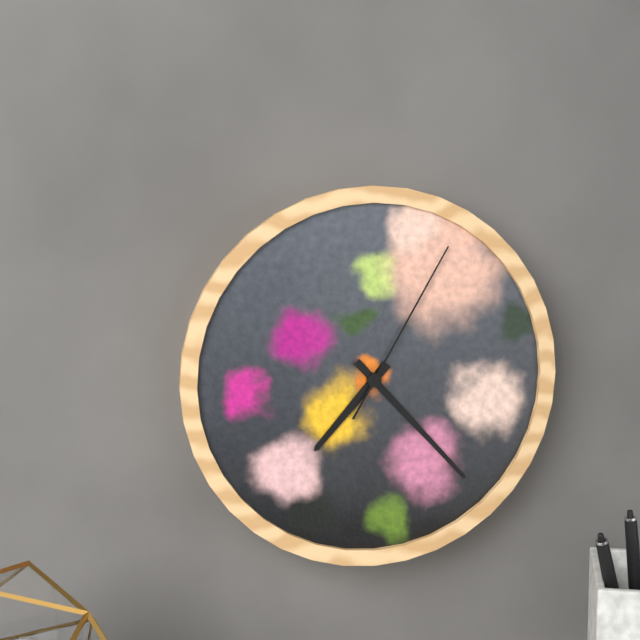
7:23:05
